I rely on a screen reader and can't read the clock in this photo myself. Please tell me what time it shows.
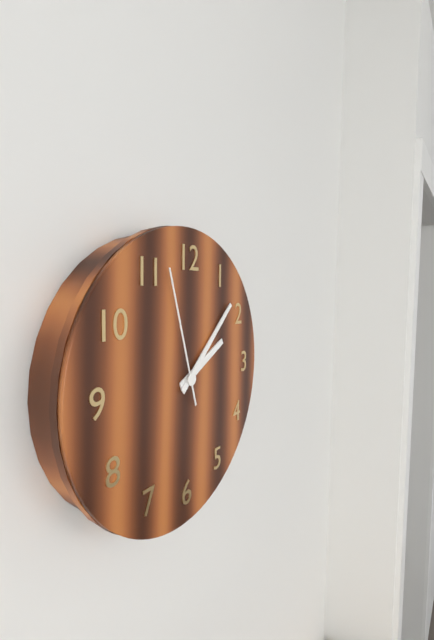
2:08:57
